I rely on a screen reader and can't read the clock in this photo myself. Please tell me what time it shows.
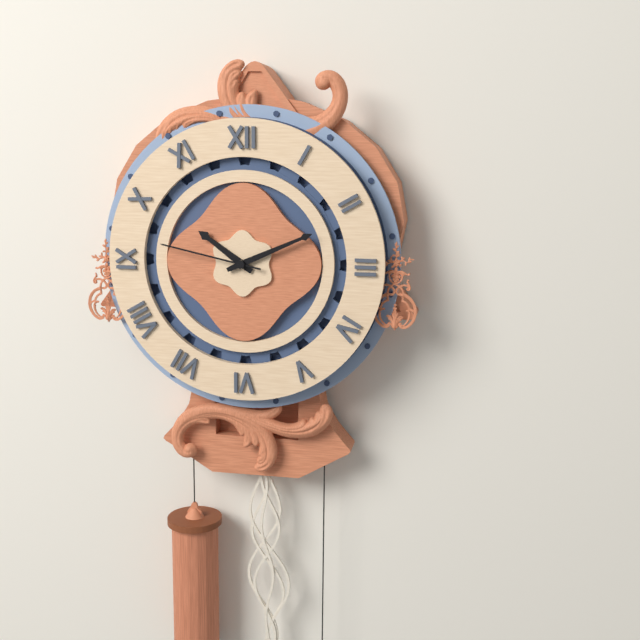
10:11:47
